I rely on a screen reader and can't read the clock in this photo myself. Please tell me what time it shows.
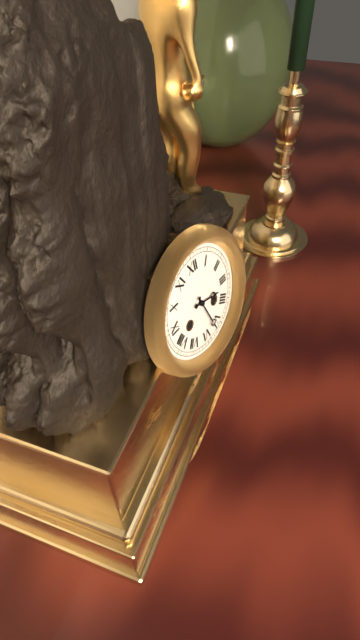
3:27
